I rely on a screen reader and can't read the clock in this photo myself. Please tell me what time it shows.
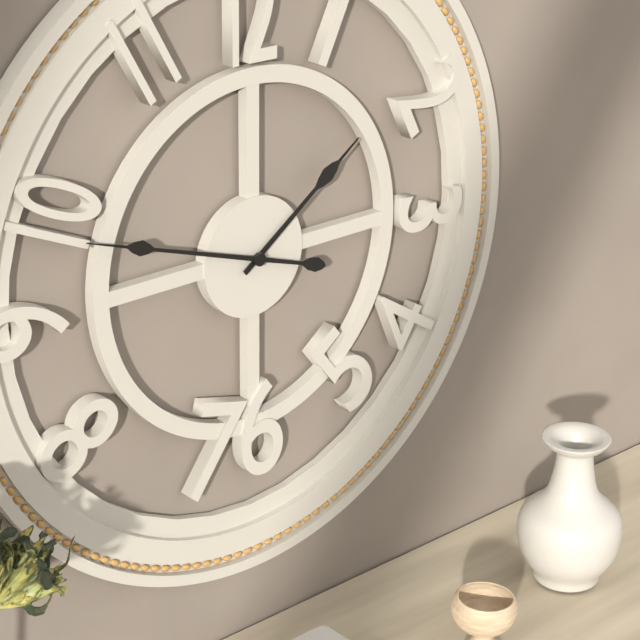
1:48
